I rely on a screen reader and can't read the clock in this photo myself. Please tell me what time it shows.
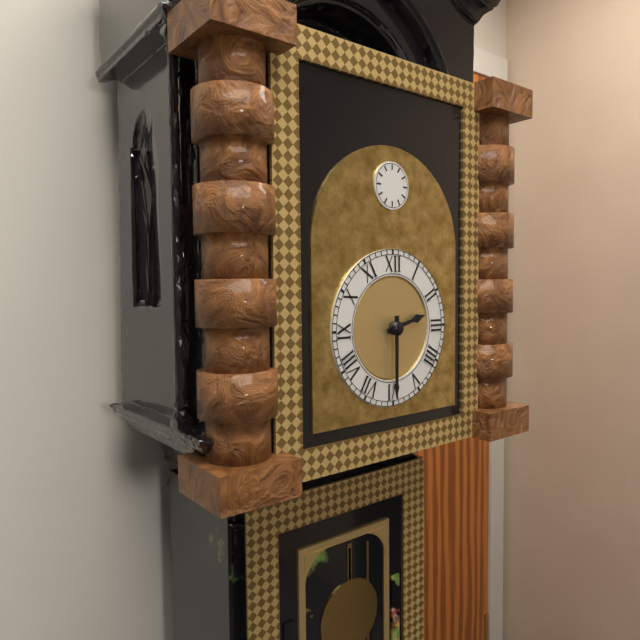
2:30
